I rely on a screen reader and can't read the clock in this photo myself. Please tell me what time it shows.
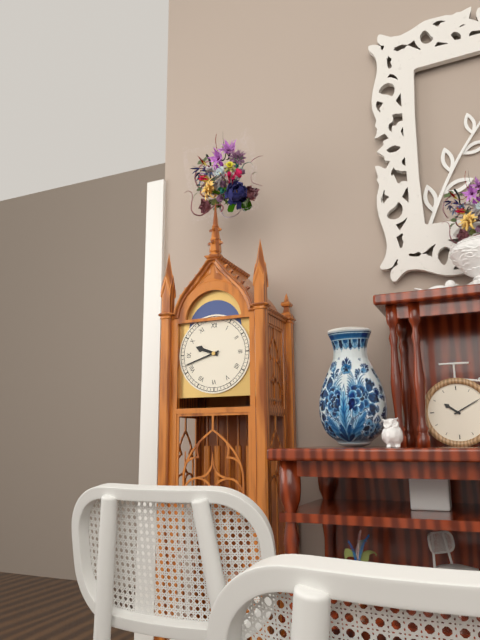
9:42
